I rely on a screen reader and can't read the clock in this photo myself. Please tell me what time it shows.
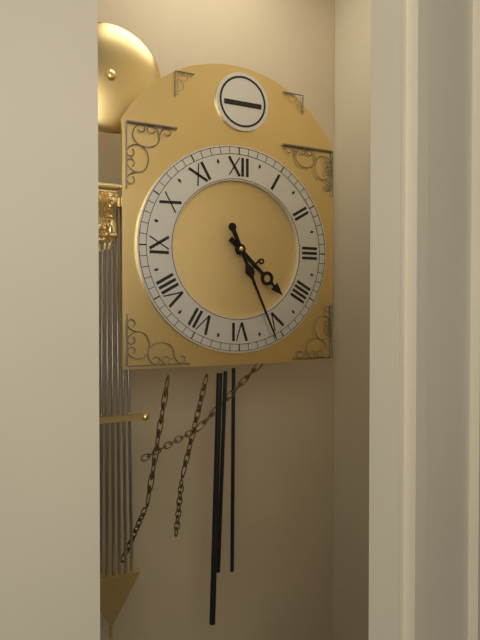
4:26
